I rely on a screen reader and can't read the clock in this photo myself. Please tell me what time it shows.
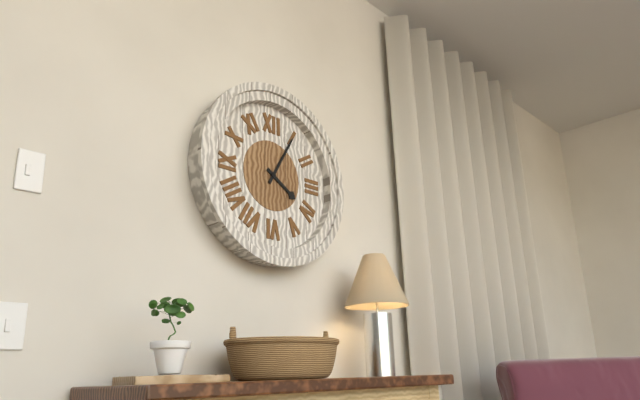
4:05
